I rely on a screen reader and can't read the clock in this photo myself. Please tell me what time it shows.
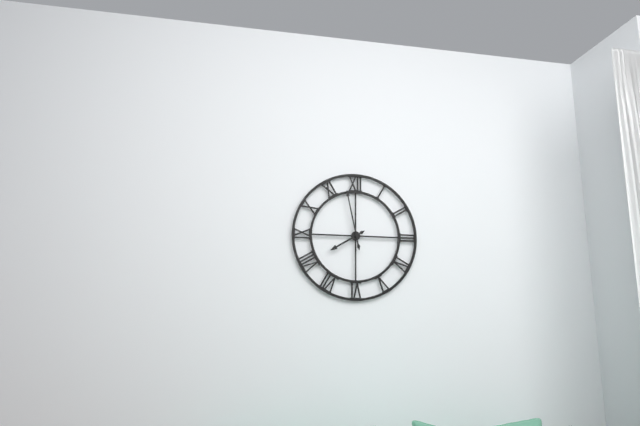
7:58
